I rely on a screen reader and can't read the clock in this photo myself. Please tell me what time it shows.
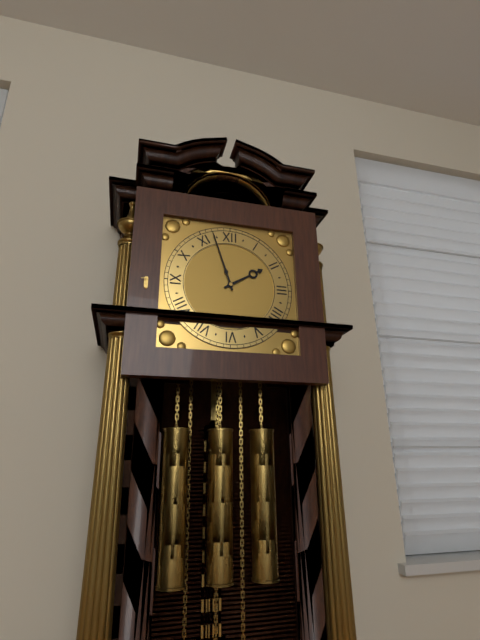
1:57
